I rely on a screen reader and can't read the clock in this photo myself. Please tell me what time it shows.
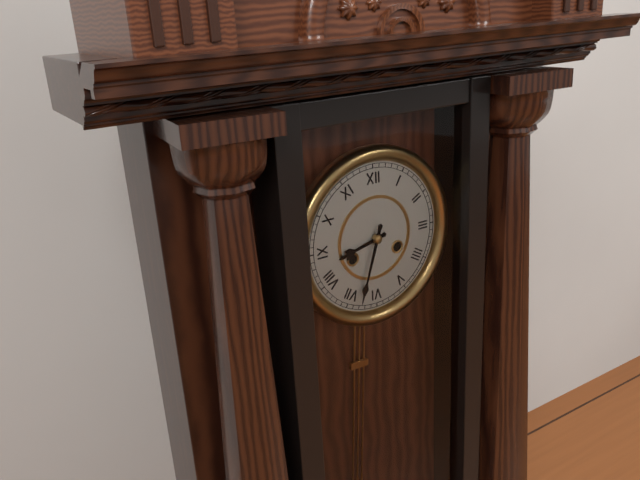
8:33
